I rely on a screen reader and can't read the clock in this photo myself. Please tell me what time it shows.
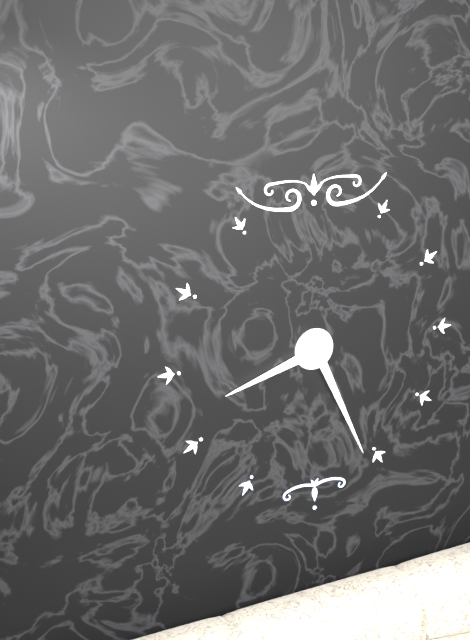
8:26
